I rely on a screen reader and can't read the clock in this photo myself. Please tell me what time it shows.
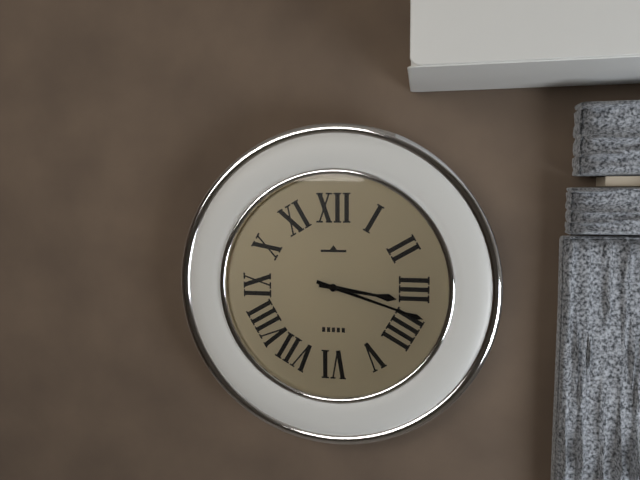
3:18
